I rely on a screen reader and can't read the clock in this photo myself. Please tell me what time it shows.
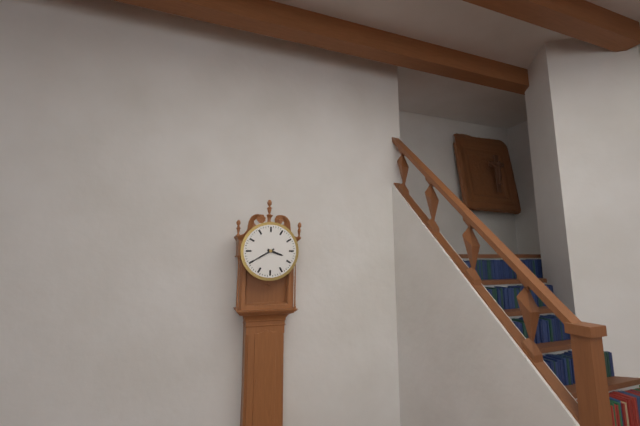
3:40
